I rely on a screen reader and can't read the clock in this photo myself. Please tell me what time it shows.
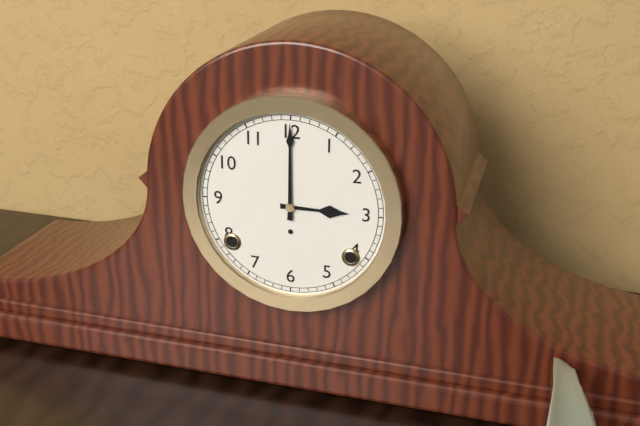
3:00
